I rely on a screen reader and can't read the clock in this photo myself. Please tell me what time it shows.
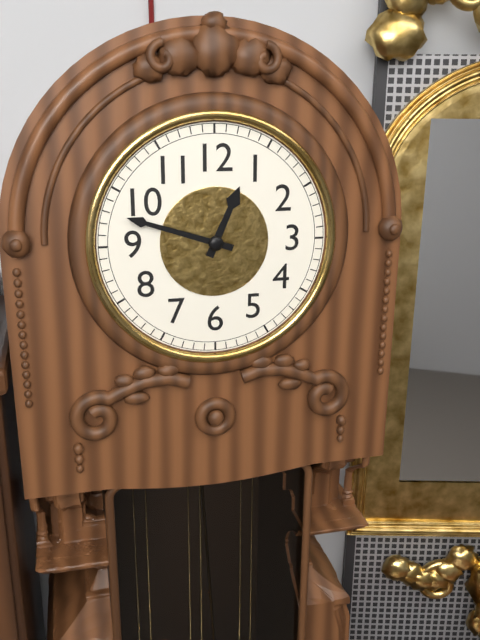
12:48
